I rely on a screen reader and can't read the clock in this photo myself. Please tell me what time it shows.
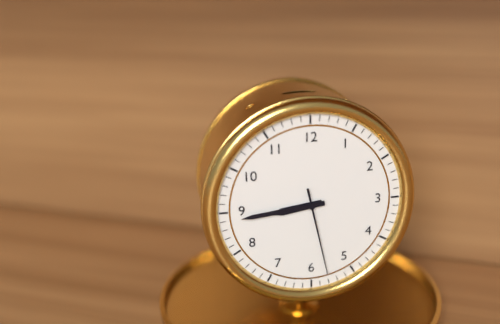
8:44:28
